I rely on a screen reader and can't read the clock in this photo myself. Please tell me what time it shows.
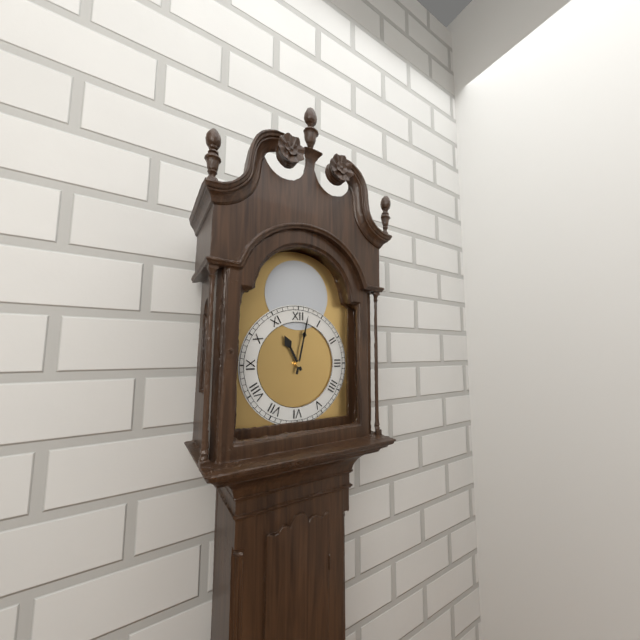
11:02
